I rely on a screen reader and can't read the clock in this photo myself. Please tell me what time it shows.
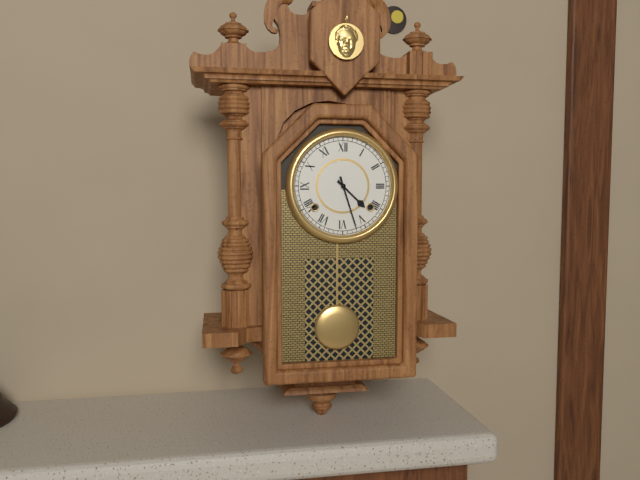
4:27
